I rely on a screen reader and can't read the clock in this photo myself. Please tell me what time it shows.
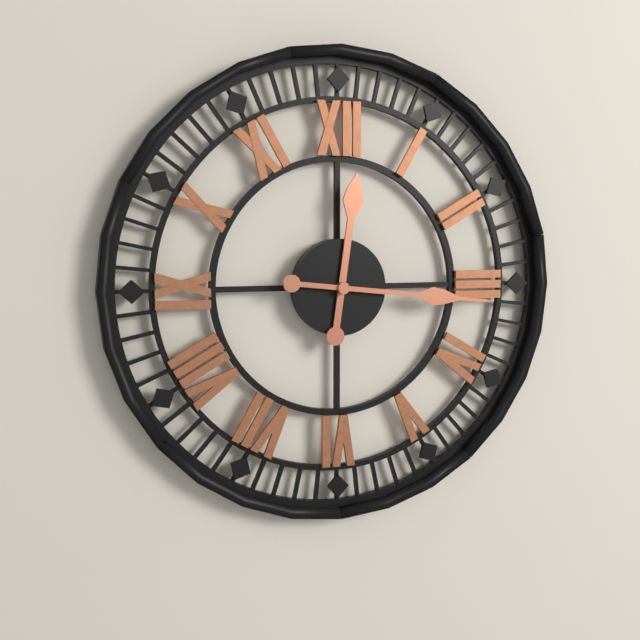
12:16
